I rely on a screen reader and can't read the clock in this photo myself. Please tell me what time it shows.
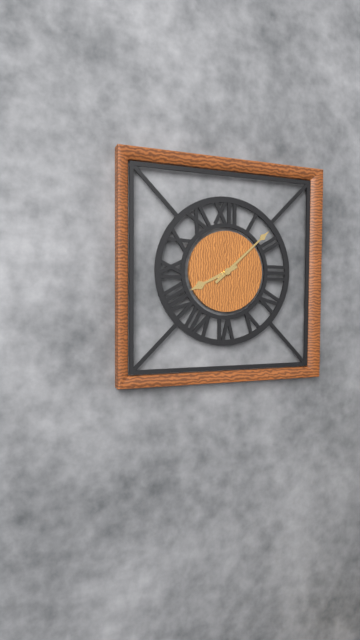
8:08
